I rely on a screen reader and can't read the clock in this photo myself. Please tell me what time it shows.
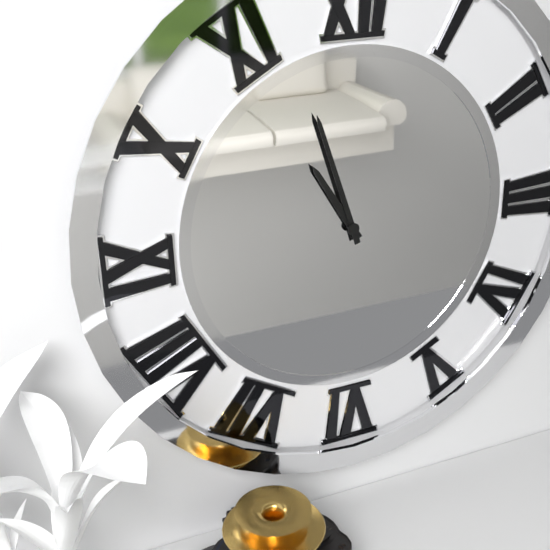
10:57
